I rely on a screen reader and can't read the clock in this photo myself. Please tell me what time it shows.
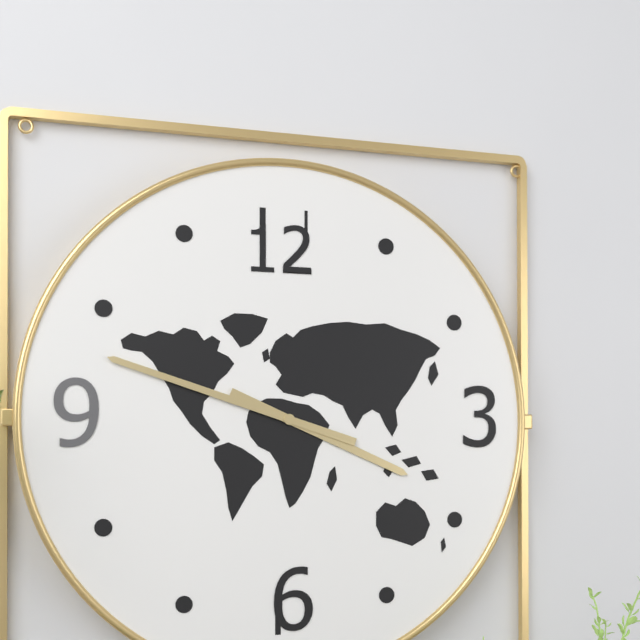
3:48
